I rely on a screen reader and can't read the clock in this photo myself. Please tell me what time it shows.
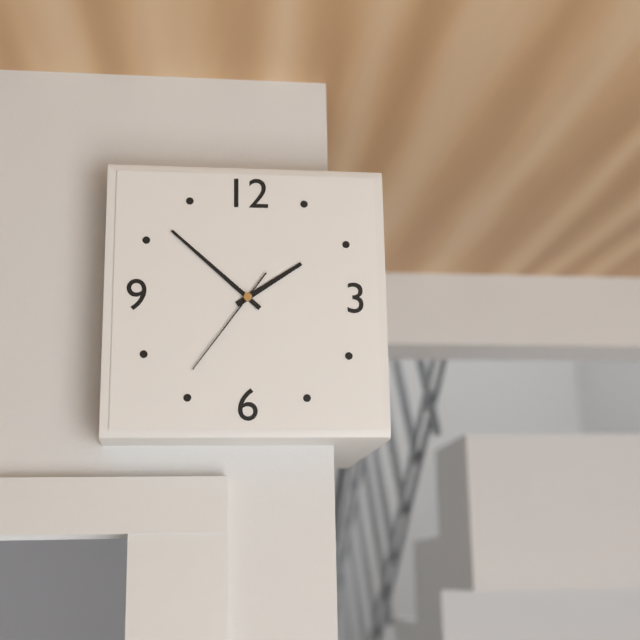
1:52:36
